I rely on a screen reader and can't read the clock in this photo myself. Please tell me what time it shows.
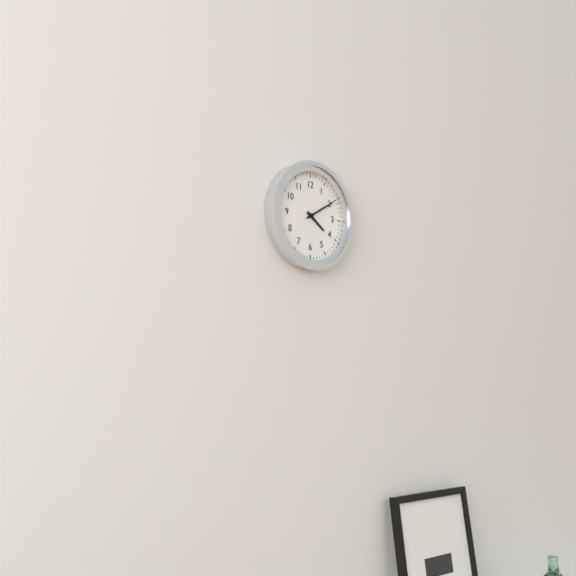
4:10
